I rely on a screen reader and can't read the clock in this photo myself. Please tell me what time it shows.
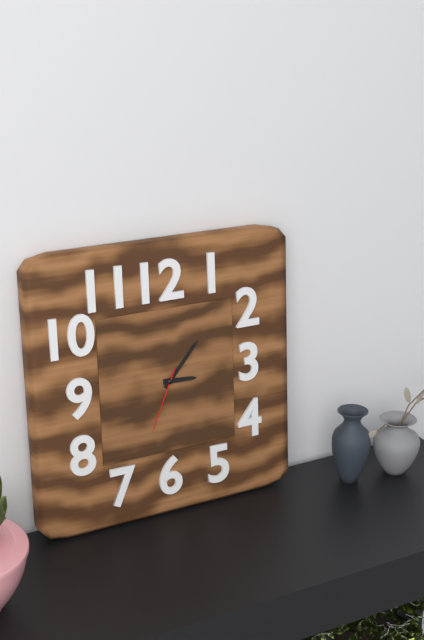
3:07:34
